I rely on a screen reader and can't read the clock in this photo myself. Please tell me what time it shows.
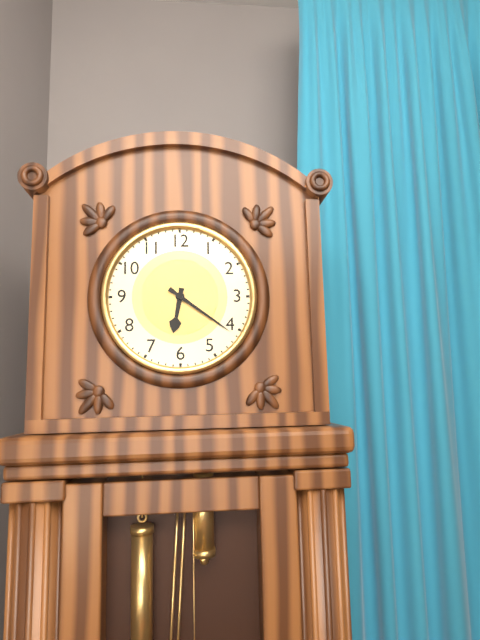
6:21
